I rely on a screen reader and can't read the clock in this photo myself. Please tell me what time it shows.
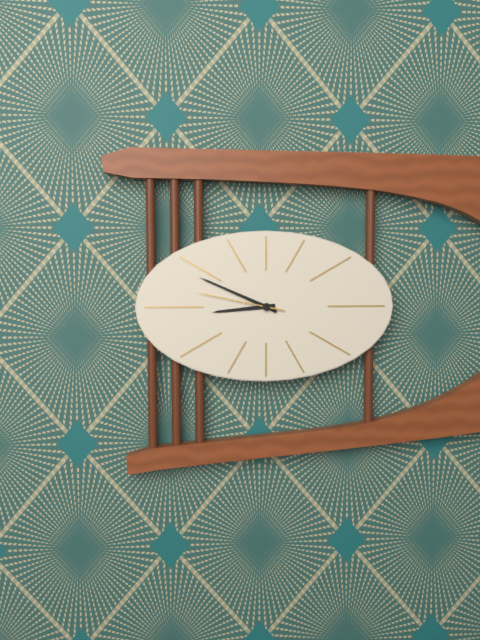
8:49:47
